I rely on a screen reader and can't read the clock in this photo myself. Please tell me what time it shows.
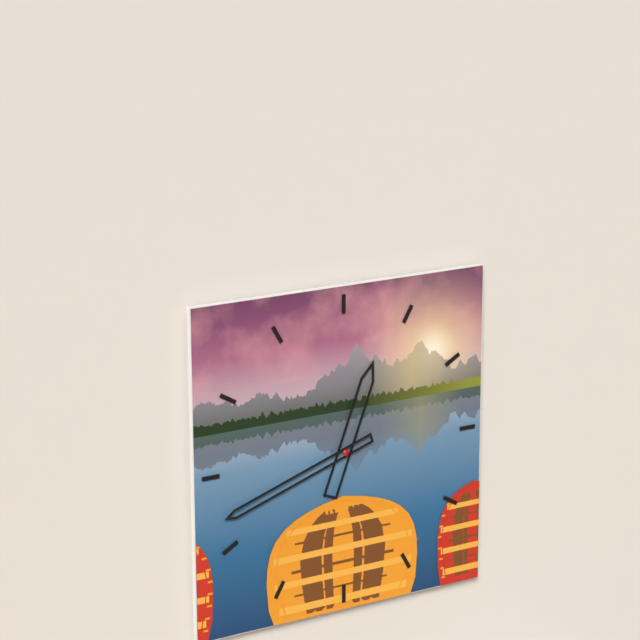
12:42
